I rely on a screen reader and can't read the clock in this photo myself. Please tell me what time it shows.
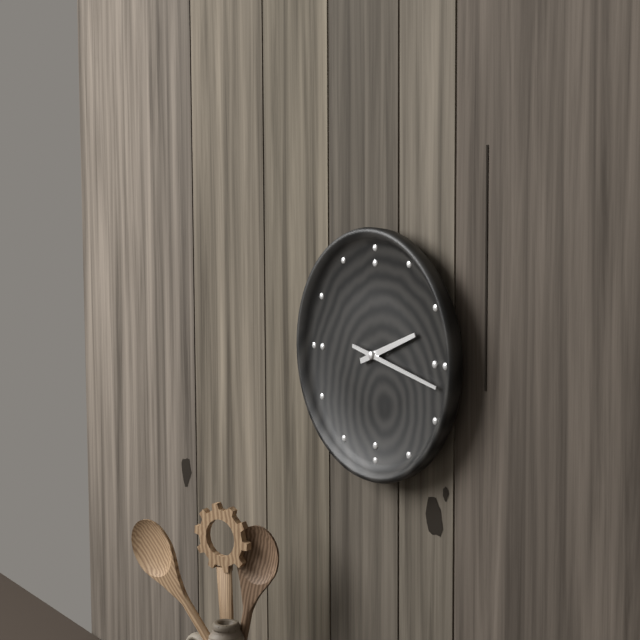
2:17
